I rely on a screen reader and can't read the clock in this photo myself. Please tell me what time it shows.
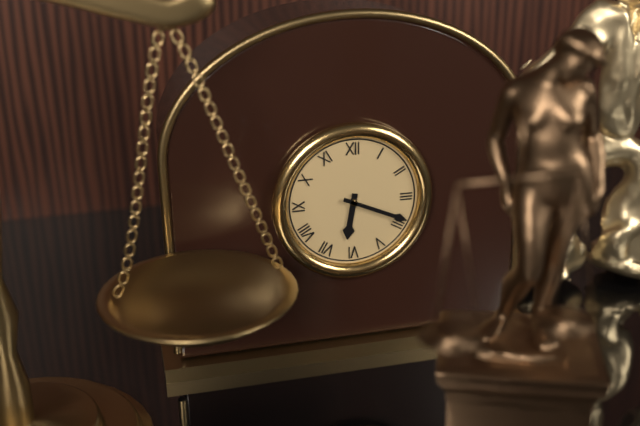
6:19
